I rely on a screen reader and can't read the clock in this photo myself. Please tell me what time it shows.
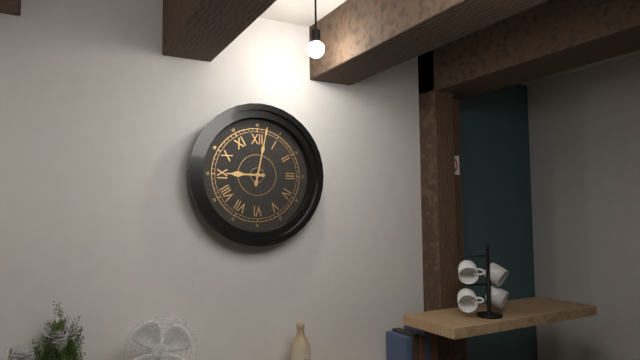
9:02
